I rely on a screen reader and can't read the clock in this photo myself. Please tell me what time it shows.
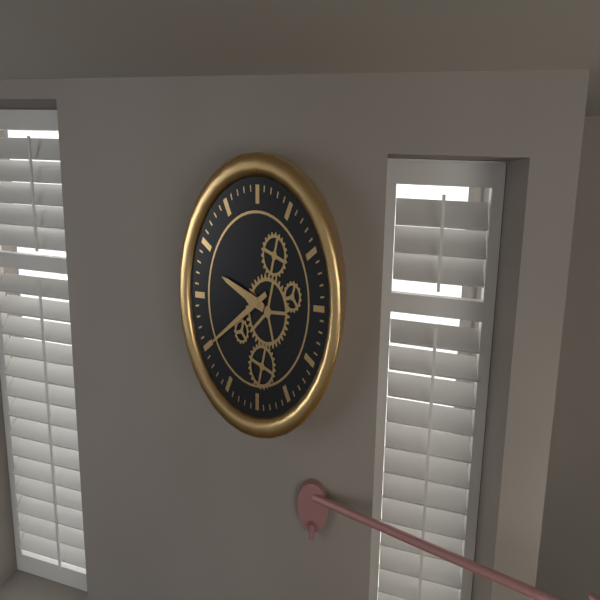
9:40
